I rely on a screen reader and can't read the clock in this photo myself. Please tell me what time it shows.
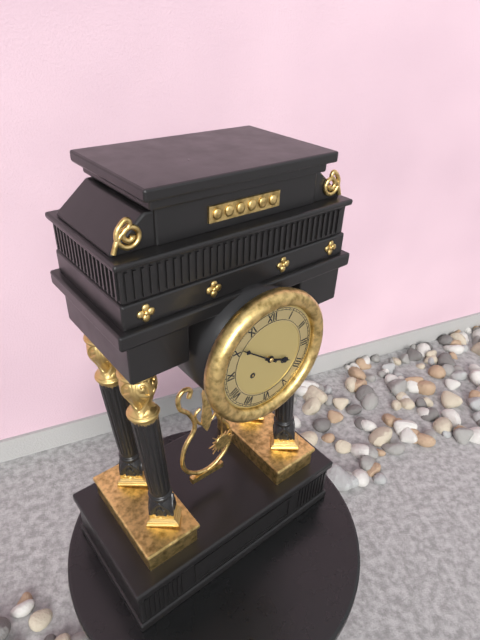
3:51
